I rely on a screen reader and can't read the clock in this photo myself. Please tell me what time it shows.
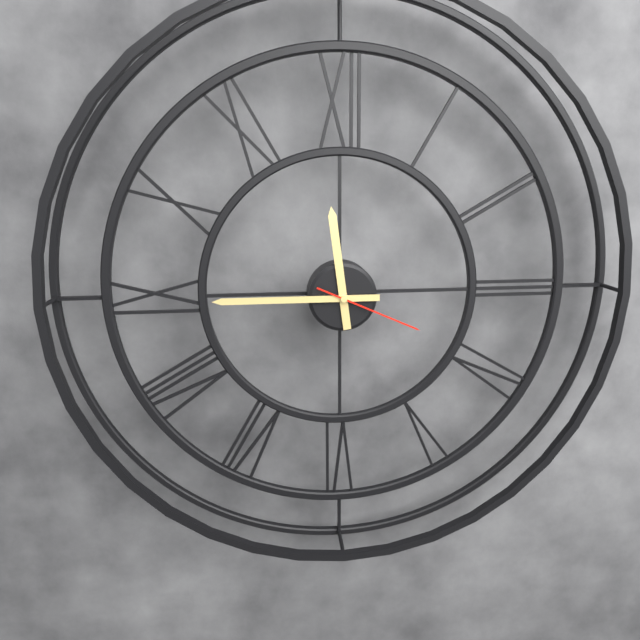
11:45:19
